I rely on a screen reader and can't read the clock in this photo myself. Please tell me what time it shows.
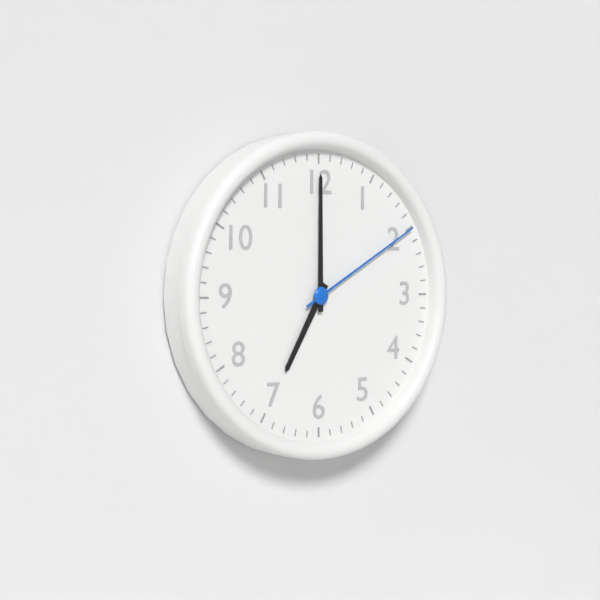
7:00:10
